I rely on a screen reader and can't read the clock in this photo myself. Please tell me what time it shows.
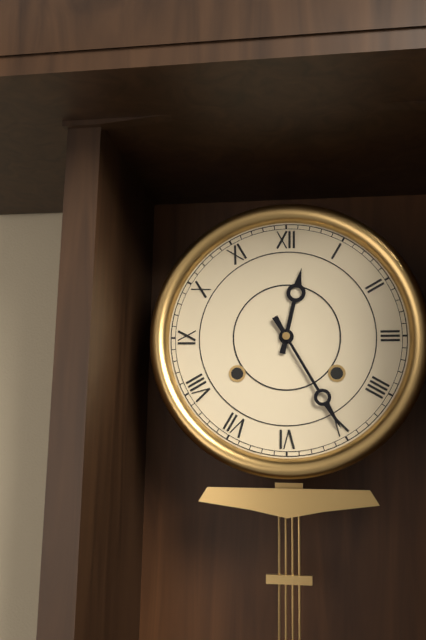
12:25
